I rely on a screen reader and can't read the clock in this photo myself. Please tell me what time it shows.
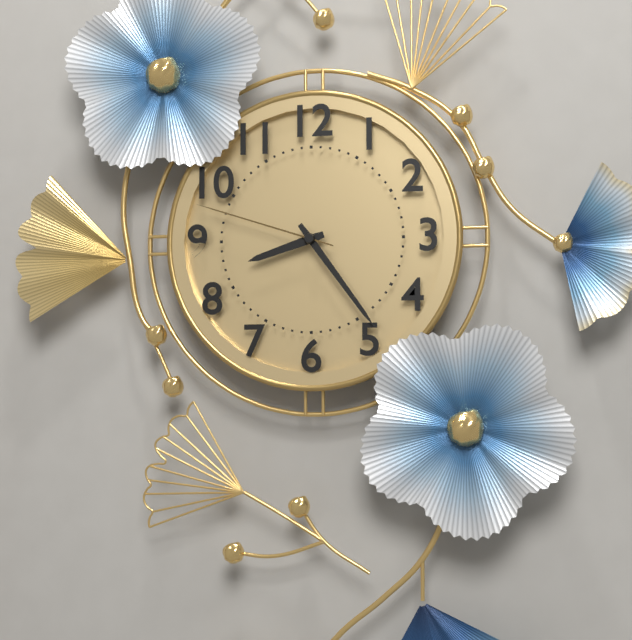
8:24:48
